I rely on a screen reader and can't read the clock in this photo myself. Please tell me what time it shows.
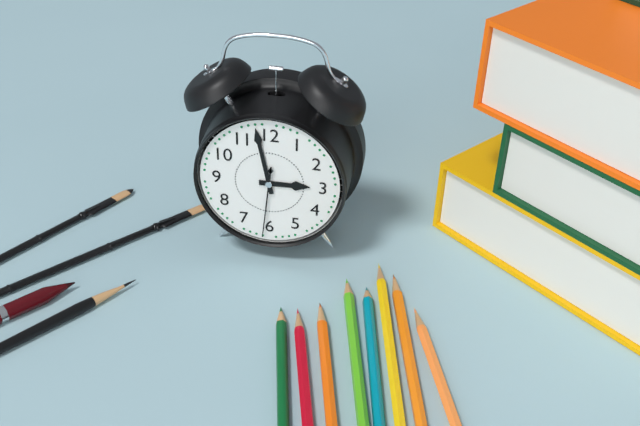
2:58:31
